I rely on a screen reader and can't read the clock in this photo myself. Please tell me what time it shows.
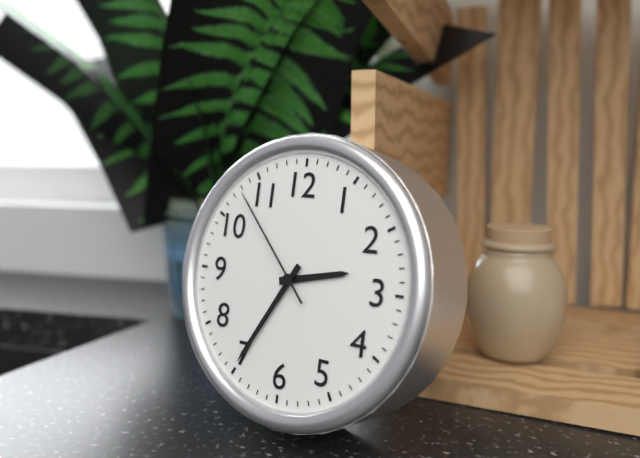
2:35:53
